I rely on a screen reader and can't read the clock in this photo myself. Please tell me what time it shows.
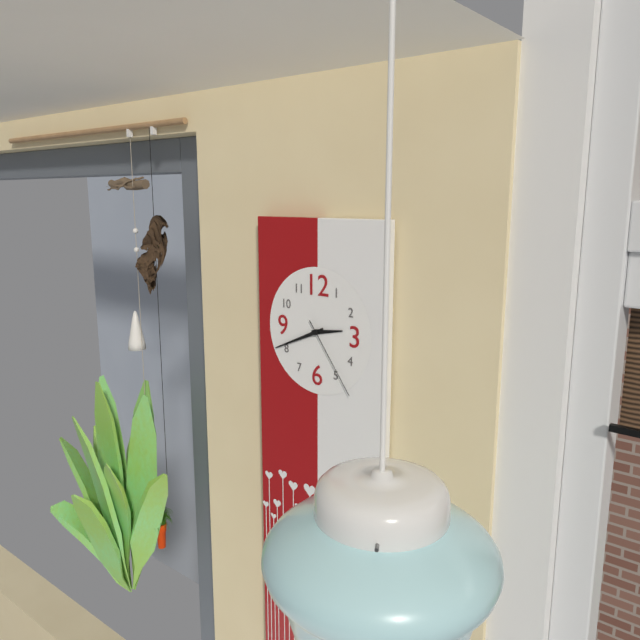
2:41:24
